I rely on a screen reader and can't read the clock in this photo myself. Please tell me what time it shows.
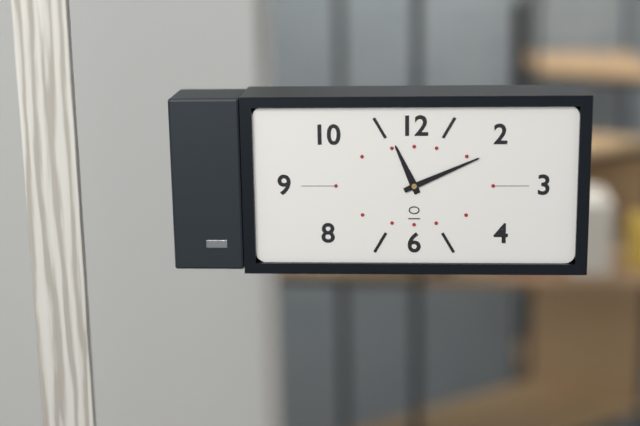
11:11
